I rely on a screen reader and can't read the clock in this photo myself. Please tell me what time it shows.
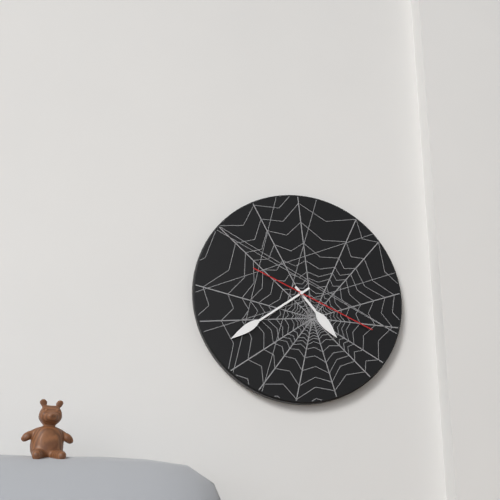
4:39:19
